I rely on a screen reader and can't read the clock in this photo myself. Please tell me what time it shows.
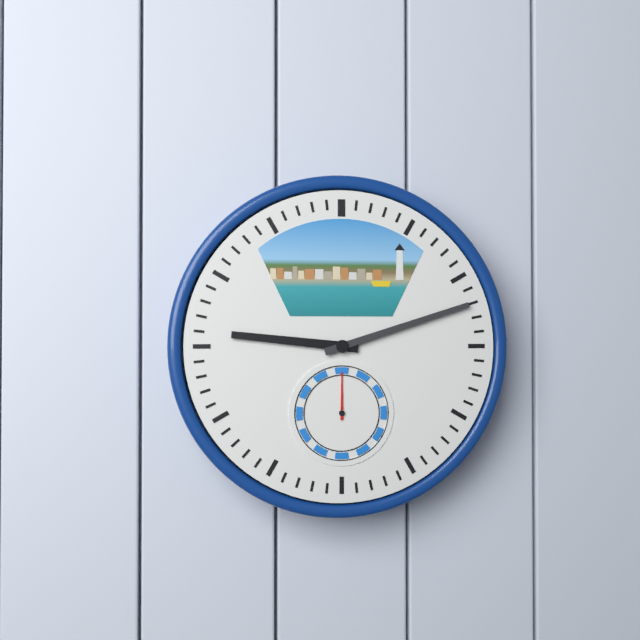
9:12
